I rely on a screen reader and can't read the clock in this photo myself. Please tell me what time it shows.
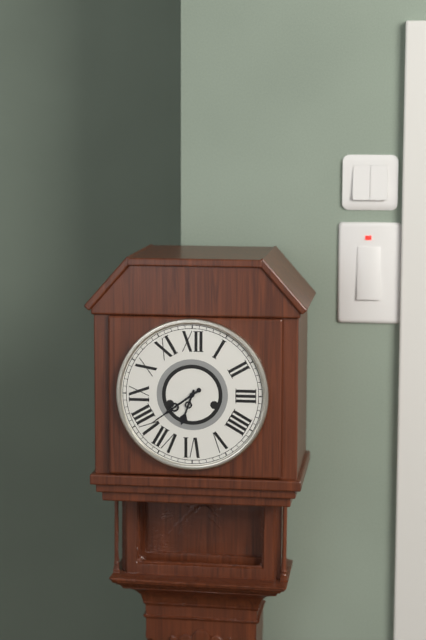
6:39
